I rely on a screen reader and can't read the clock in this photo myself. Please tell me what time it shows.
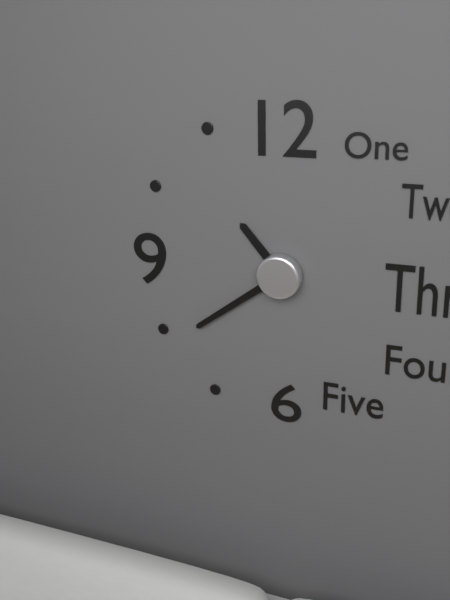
10:39
